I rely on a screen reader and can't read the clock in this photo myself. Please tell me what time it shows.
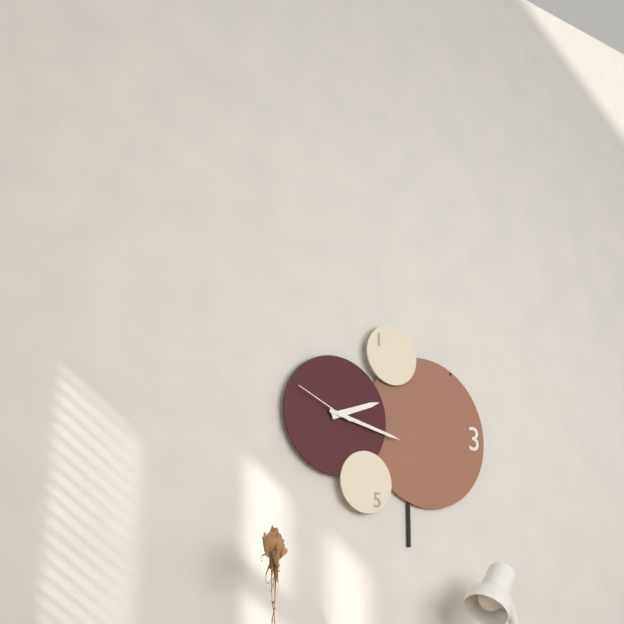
2:17:49
